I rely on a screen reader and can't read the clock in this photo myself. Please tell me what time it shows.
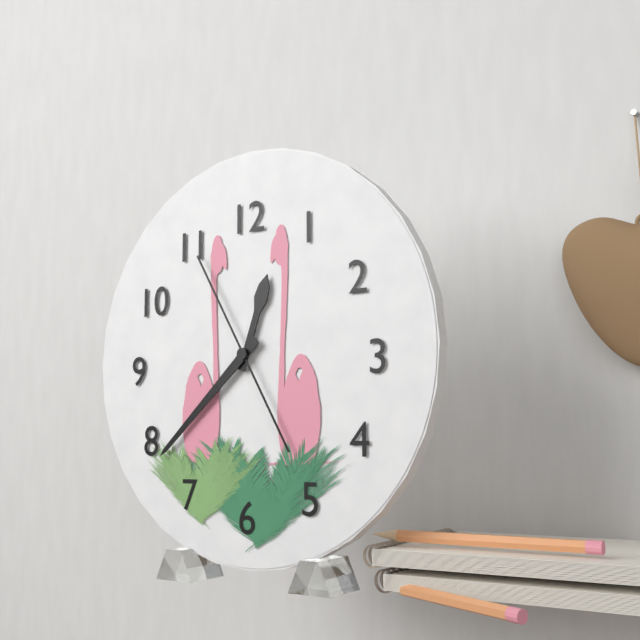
12:38:55
